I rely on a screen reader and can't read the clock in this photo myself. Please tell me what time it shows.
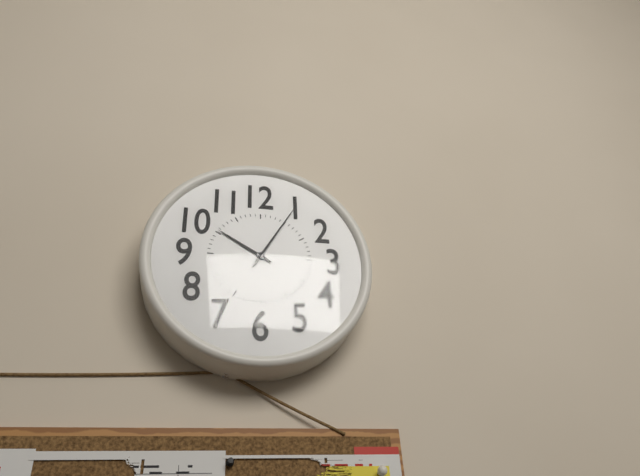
10:05
